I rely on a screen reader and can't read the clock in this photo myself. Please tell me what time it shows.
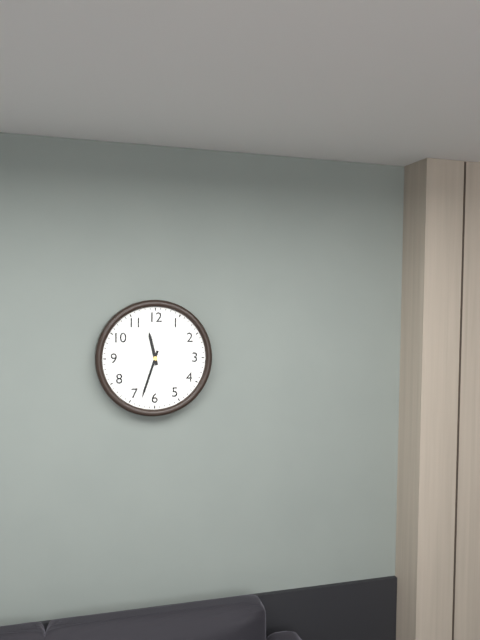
11:33
